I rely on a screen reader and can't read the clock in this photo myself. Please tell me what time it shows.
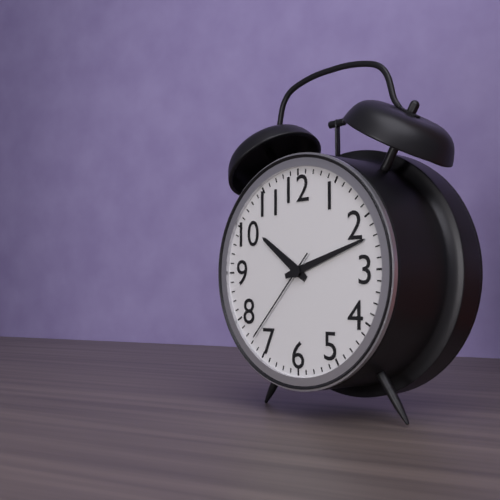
10:12:37
